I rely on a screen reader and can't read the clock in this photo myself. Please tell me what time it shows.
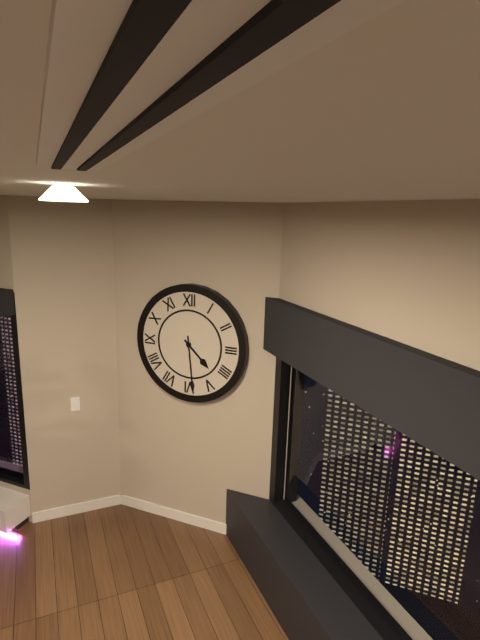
4:29
